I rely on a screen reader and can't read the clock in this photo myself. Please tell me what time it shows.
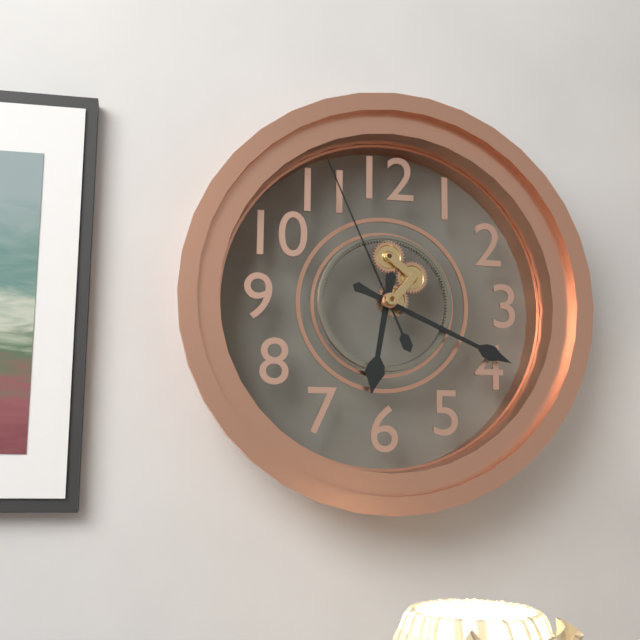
6:19:56
